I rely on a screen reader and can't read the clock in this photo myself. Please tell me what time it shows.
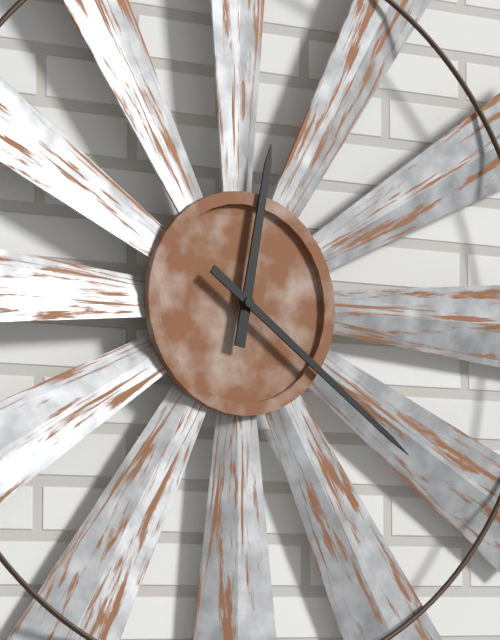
12:21
